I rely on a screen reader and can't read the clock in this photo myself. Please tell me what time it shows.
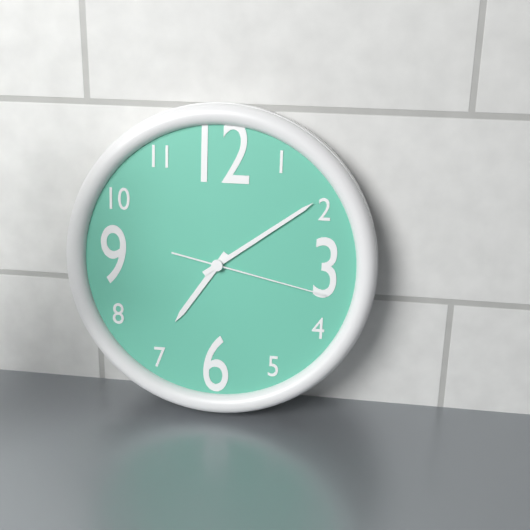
7:09:17
